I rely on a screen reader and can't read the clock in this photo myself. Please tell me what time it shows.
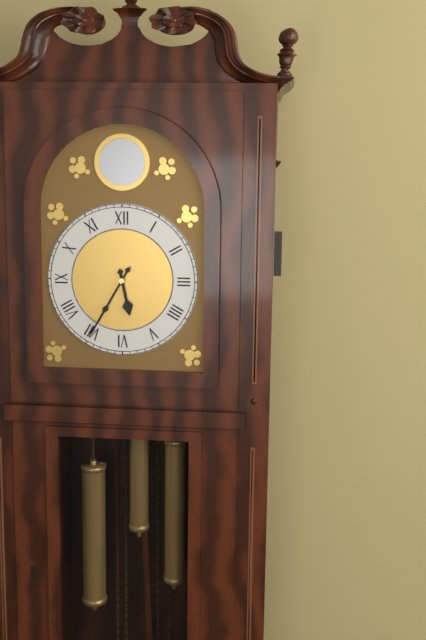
5:35
